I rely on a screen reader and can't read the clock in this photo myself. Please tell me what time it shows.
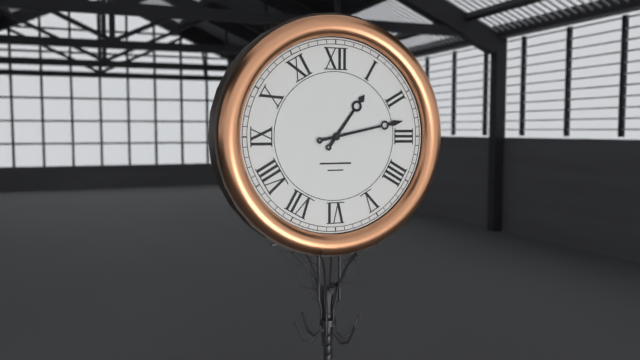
1:13
